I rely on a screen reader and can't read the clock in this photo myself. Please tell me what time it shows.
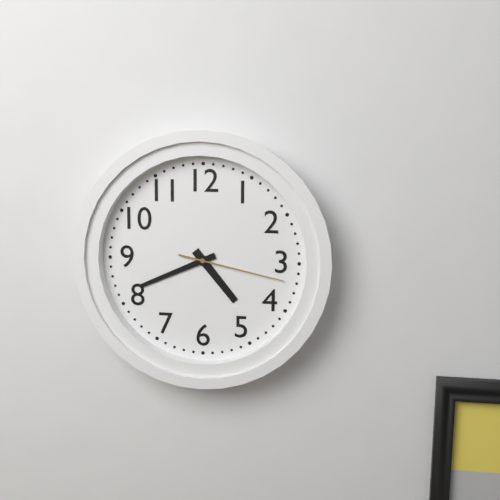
4:41:17
